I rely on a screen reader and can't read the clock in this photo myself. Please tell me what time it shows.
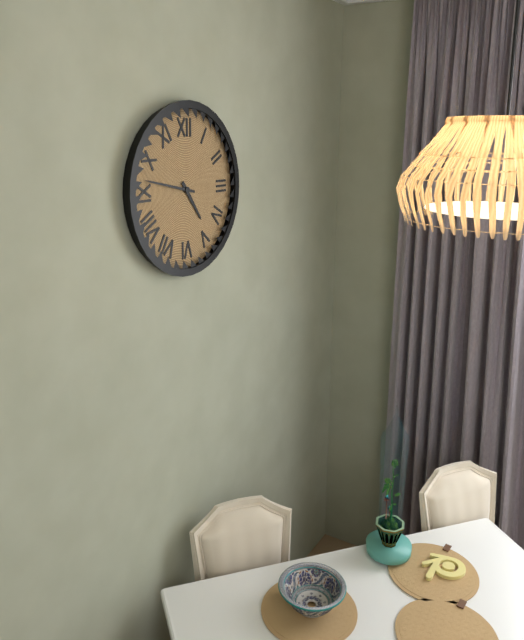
4:47
